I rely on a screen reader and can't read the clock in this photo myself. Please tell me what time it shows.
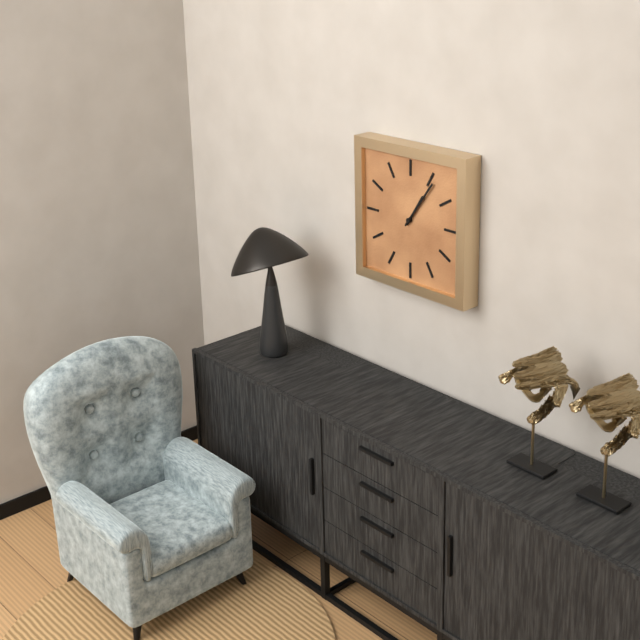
1:06
